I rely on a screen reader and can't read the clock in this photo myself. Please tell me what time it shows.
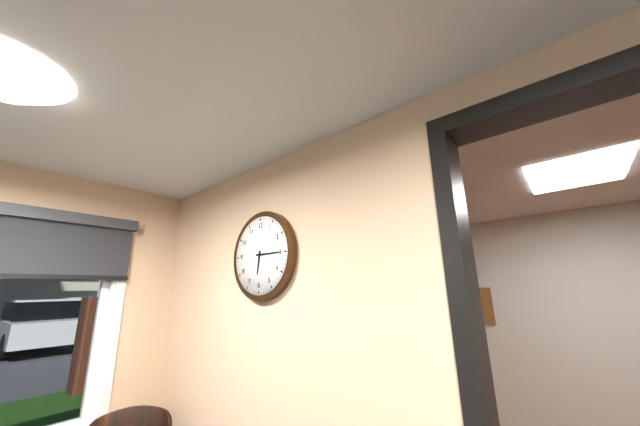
6:15
